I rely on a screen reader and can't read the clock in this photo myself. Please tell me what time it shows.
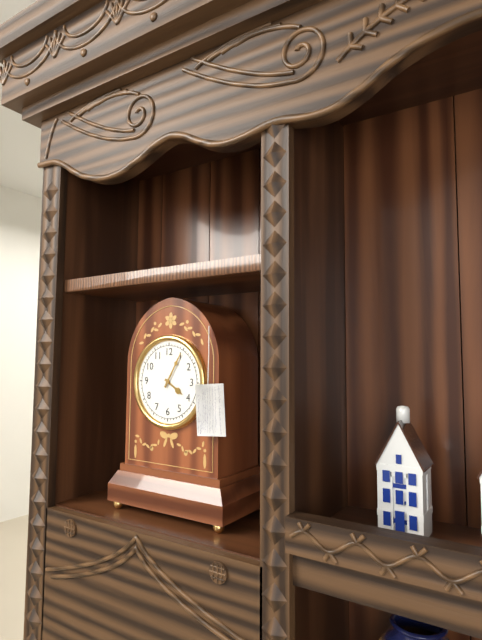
4:05
